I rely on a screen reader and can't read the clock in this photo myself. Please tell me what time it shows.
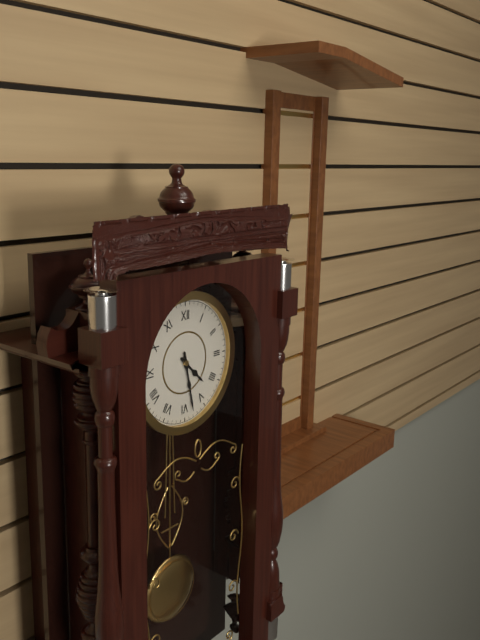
4:28
